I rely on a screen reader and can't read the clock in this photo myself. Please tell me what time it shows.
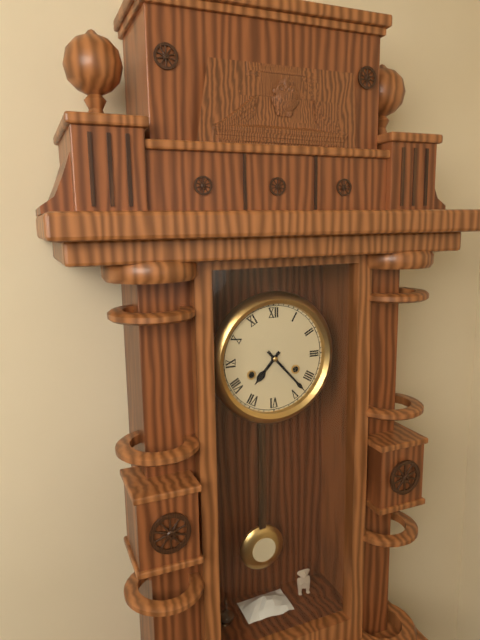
7:23
